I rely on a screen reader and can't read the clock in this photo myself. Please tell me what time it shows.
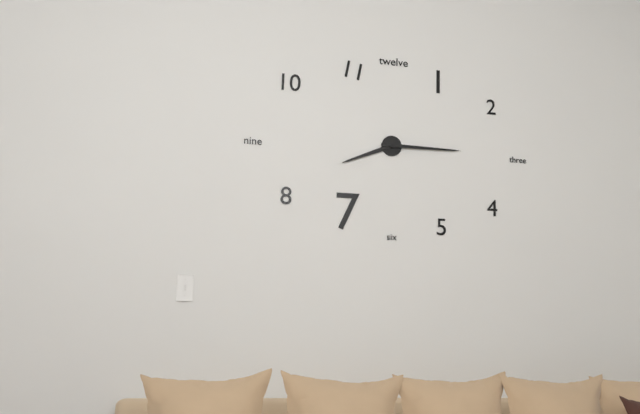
8:15
